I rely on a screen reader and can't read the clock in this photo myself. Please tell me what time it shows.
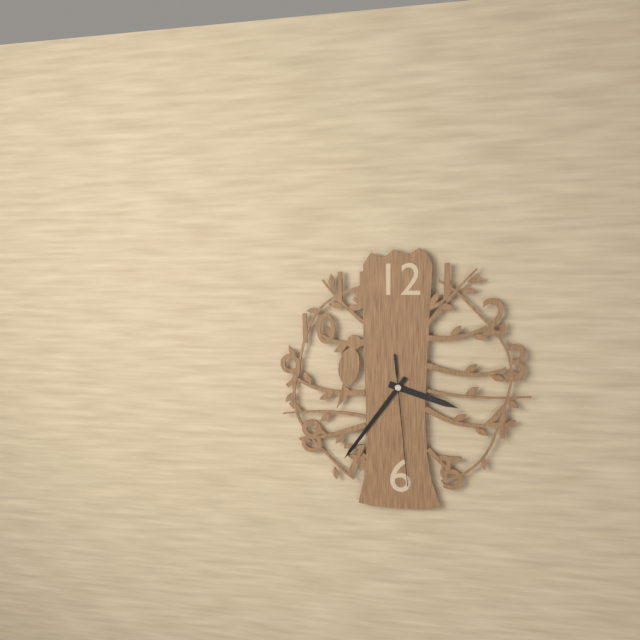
3:36:29
